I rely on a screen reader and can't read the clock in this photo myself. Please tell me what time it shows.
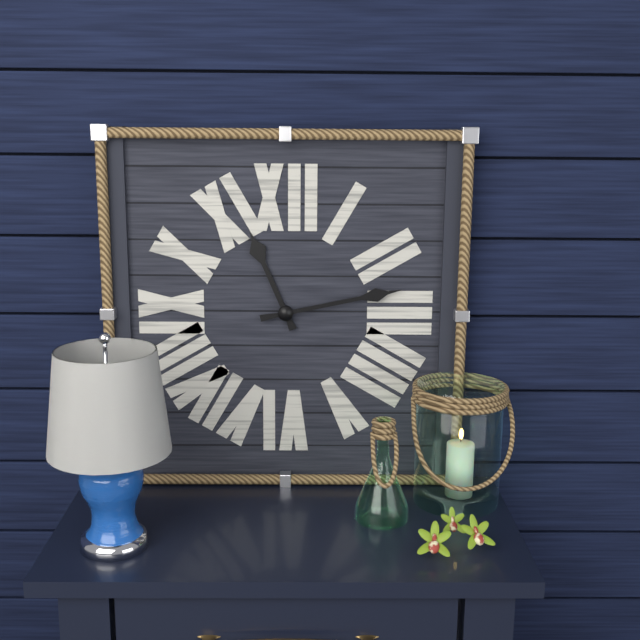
11:13
